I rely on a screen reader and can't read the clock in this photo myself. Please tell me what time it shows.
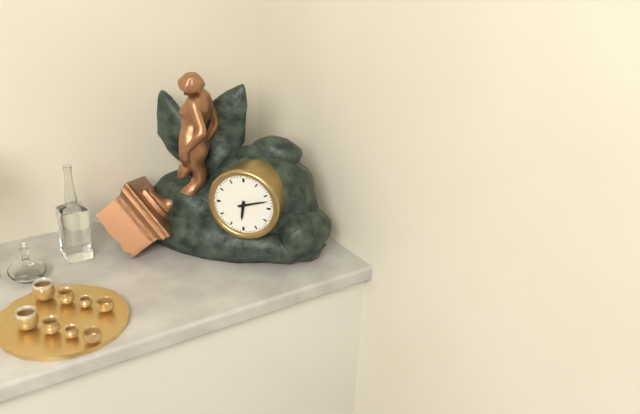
6:12
